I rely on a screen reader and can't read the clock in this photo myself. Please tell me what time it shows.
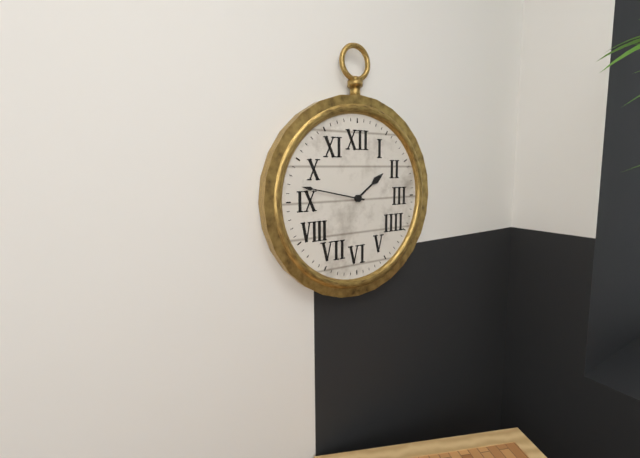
1:47
